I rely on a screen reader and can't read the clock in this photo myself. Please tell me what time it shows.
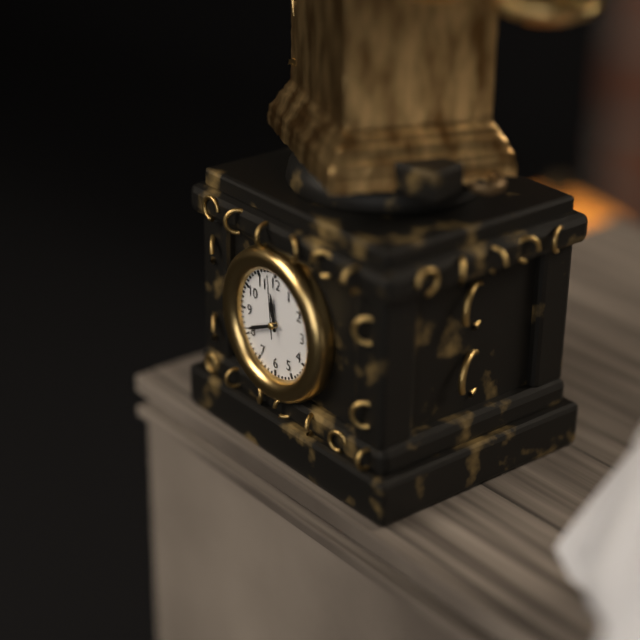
11:41:59
